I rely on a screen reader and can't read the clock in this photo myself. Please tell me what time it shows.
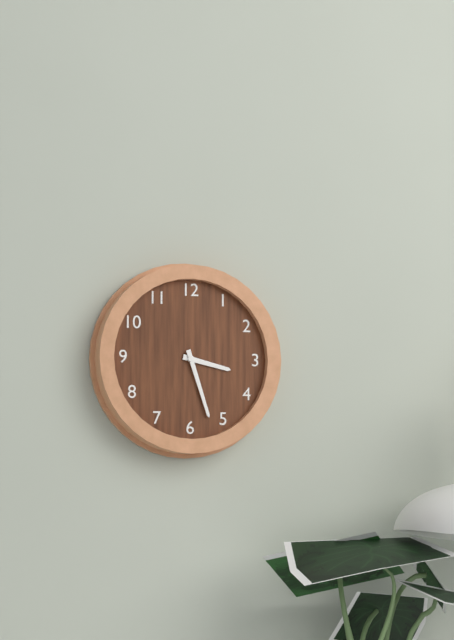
3:27
